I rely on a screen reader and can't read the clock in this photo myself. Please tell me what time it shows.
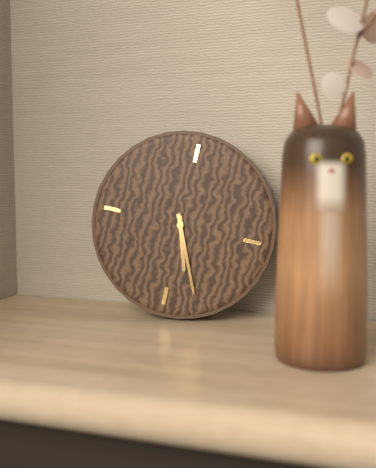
5:26
